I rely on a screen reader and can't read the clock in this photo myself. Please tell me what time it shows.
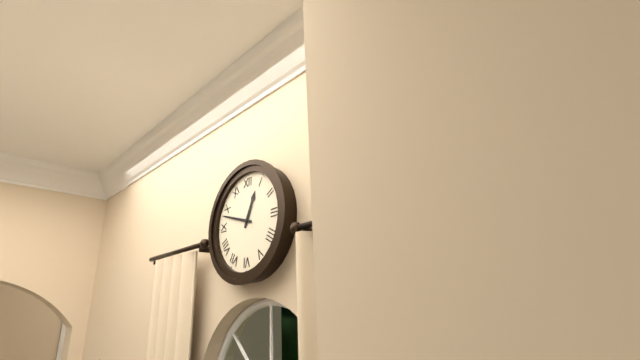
12:48
